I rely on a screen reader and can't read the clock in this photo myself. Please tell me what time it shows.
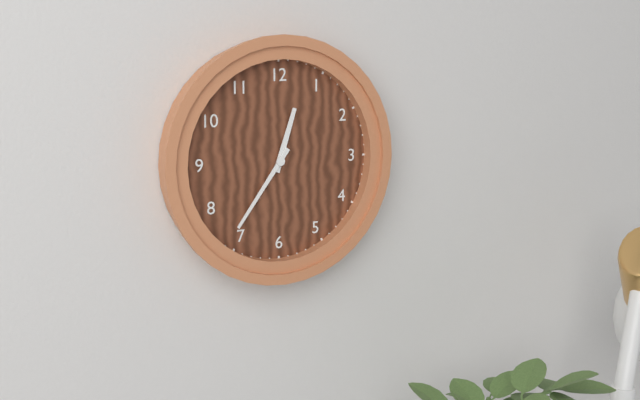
12:36
